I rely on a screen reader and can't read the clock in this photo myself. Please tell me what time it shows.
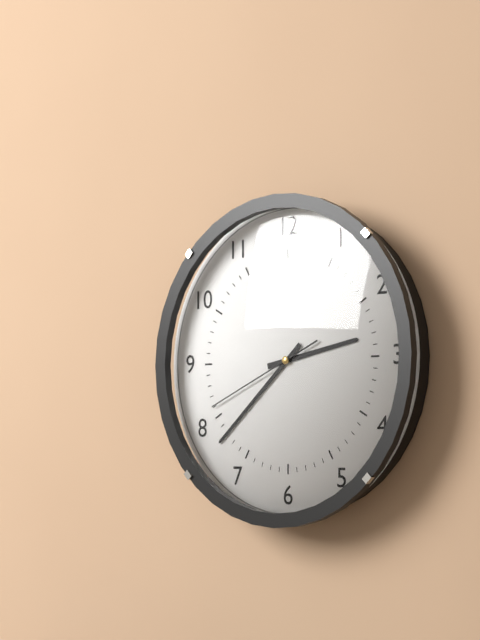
2:38:41
